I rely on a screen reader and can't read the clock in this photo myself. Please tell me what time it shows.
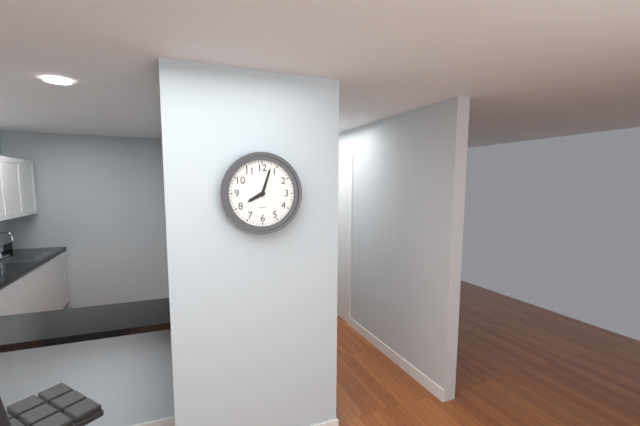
8:03
